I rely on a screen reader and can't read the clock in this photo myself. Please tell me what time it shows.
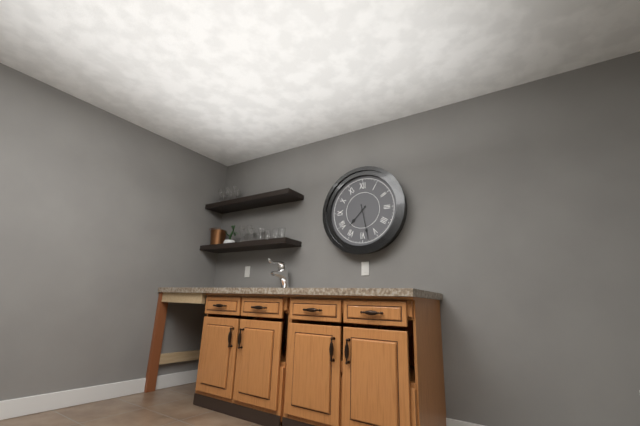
7:28
